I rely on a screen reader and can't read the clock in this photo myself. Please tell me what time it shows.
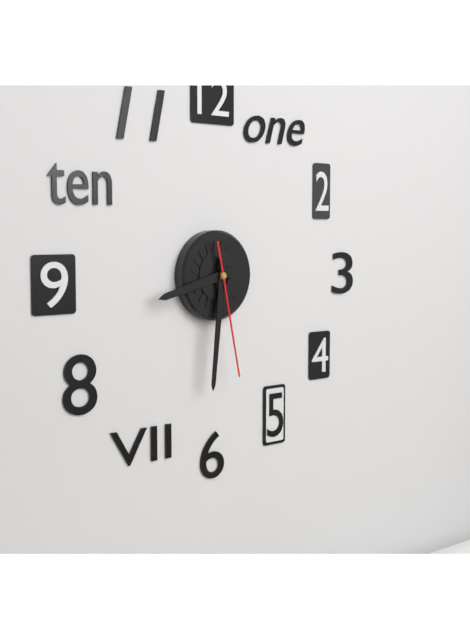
8:31:28
